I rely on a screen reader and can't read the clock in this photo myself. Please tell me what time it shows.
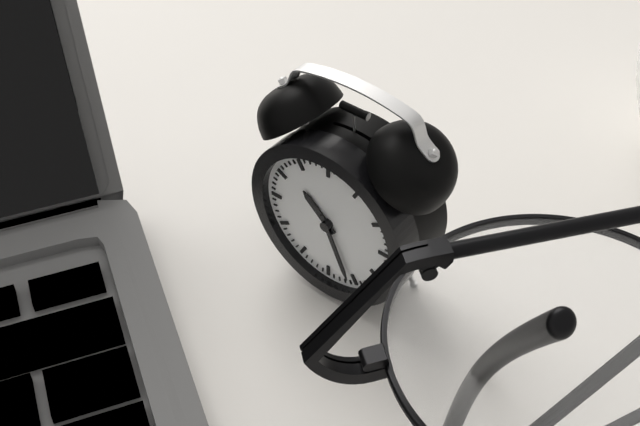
10:26
